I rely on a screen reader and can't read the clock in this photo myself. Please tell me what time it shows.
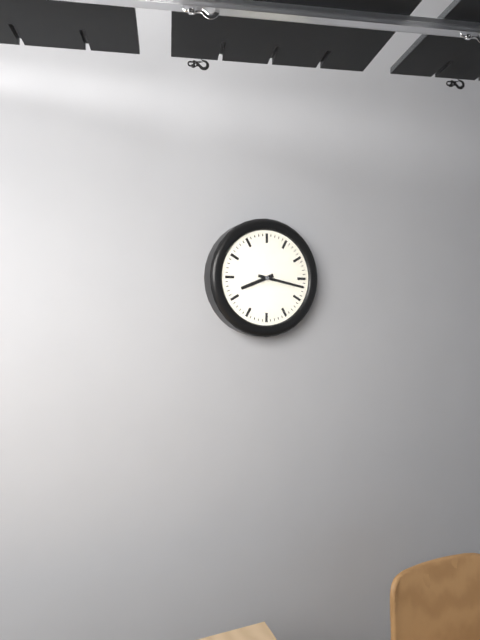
8:17
